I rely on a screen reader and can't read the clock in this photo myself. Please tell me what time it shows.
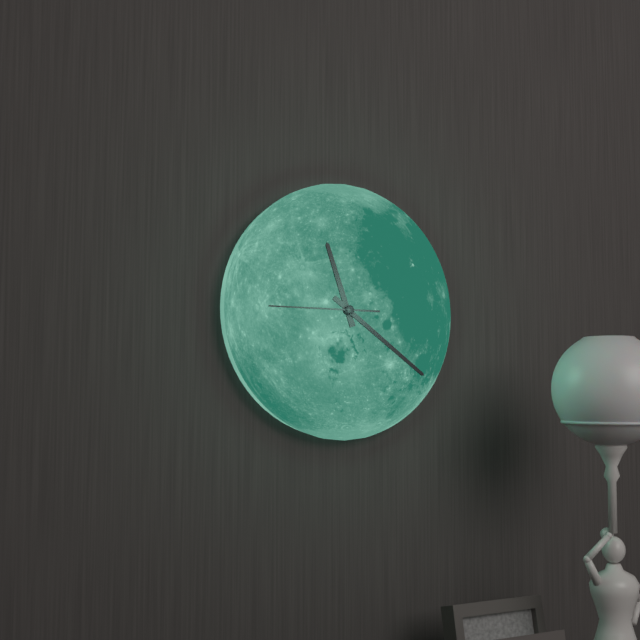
11:21:45
